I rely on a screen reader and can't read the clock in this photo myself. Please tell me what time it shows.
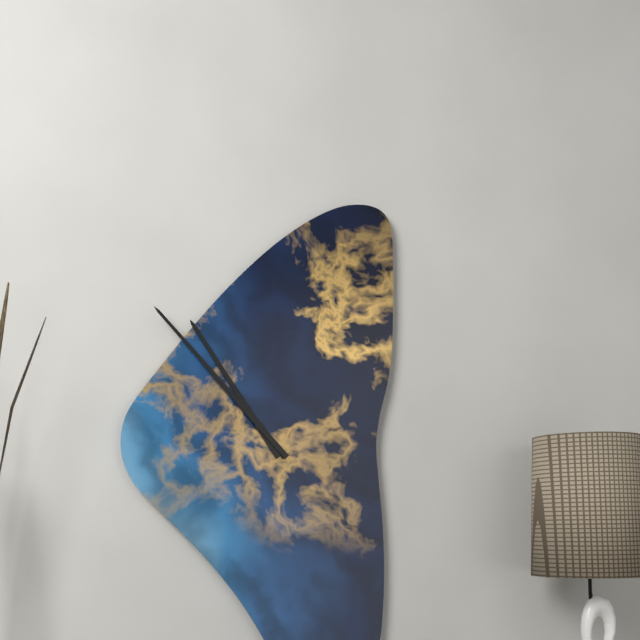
10:53
